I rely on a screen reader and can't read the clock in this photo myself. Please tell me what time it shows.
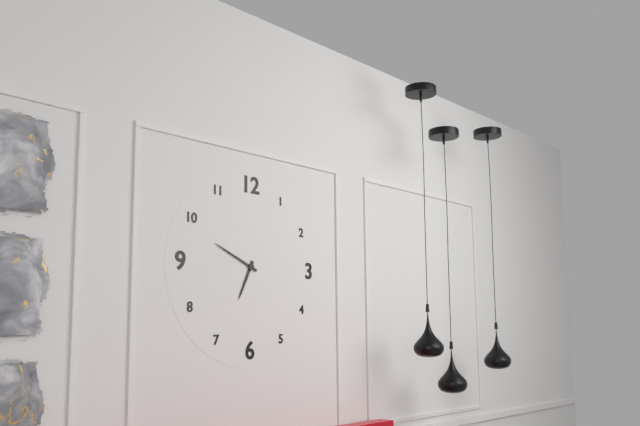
6:49
